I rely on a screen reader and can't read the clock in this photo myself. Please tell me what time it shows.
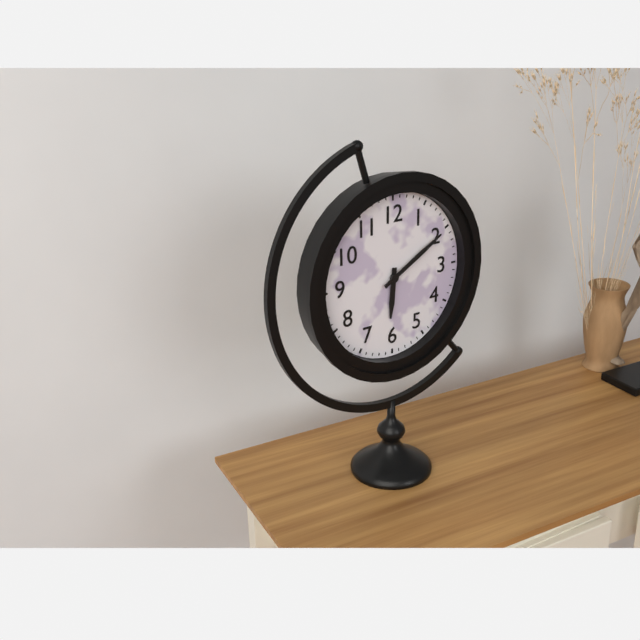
6:10
